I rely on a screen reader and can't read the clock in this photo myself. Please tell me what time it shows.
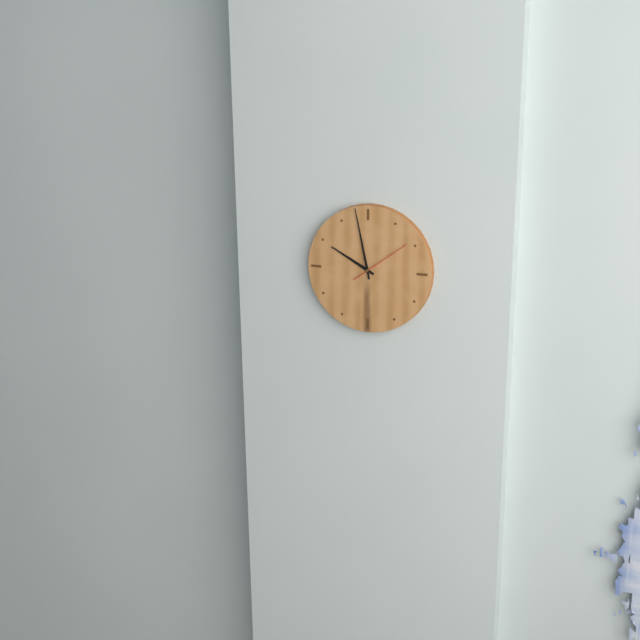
9:58:09
